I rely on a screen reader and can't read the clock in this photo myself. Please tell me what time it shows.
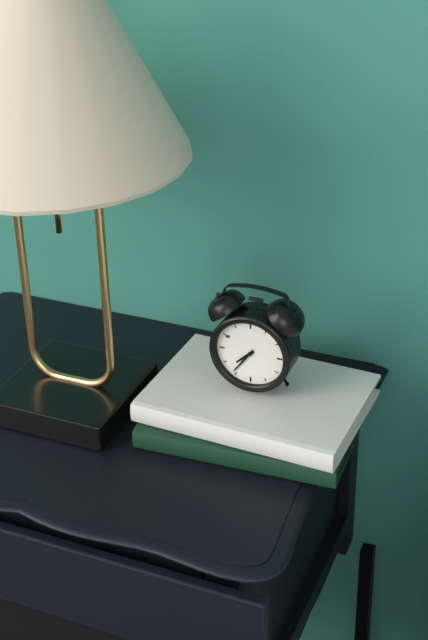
7:36
